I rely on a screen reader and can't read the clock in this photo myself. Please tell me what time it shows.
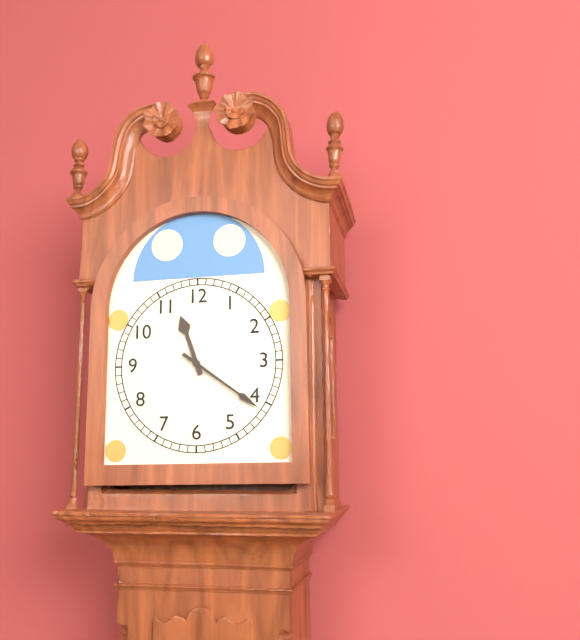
11:21
